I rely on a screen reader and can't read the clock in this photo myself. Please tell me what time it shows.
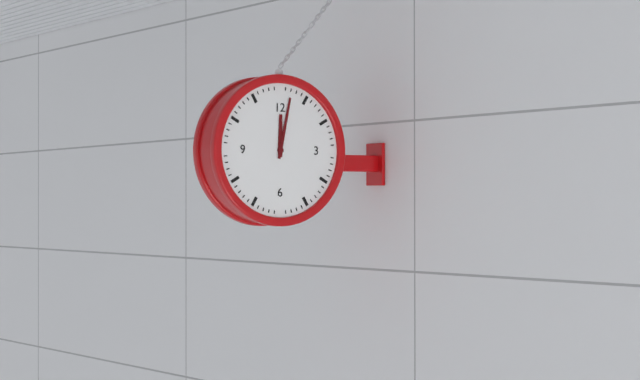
12:02
